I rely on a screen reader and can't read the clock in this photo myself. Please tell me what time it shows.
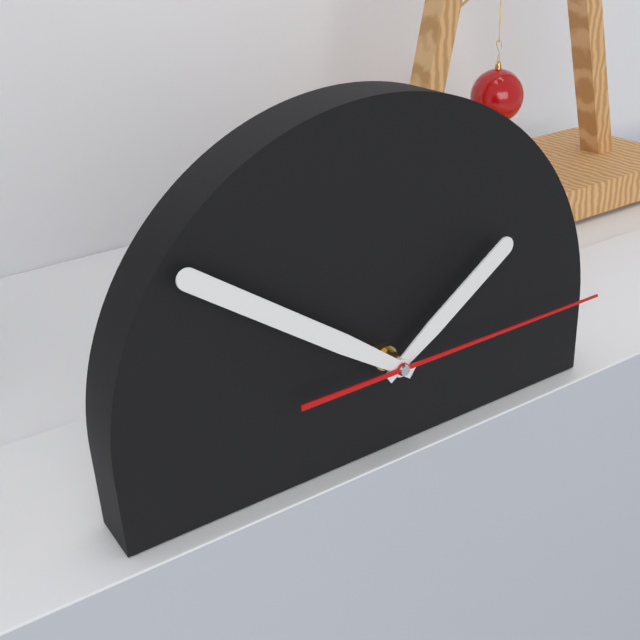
1:51:15
